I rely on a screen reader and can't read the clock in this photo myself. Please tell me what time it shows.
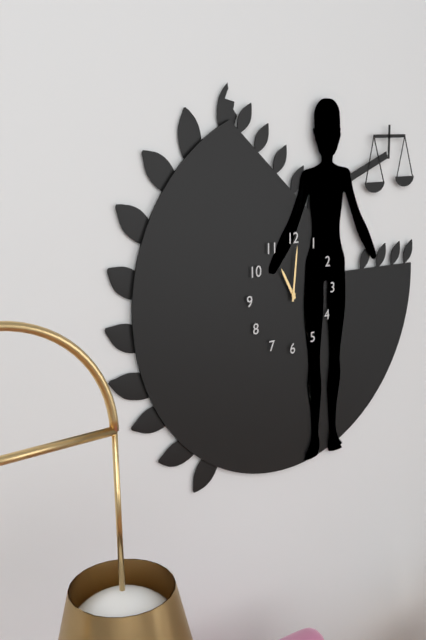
11:01
